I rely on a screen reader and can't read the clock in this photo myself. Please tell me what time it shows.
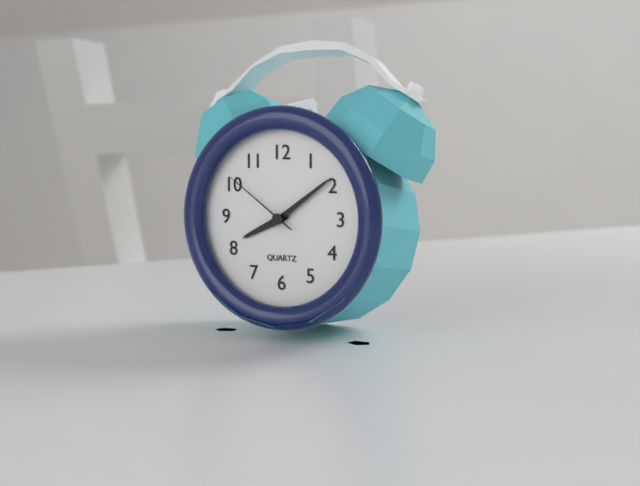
8:09:51
